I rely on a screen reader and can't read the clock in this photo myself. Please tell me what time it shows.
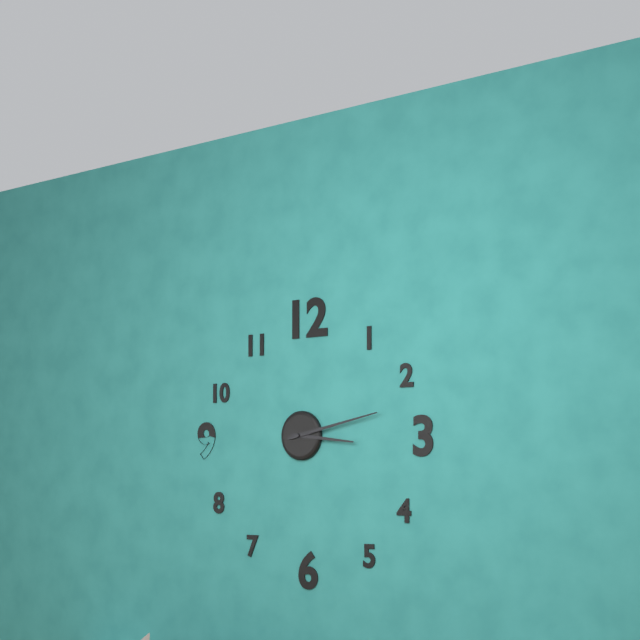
3:13
